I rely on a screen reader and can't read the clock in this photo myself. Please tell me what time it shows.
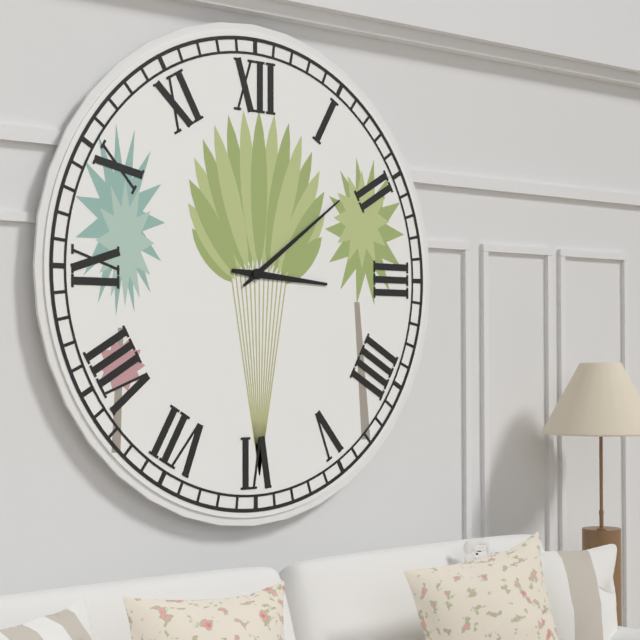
3:09
